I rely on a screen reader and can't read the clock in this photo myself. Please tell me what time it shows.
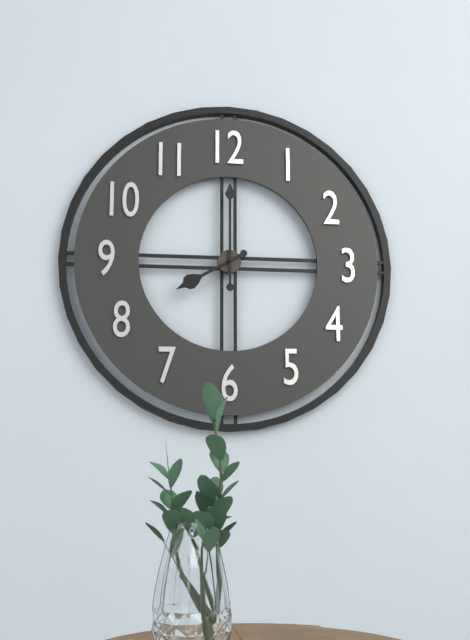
8:00
